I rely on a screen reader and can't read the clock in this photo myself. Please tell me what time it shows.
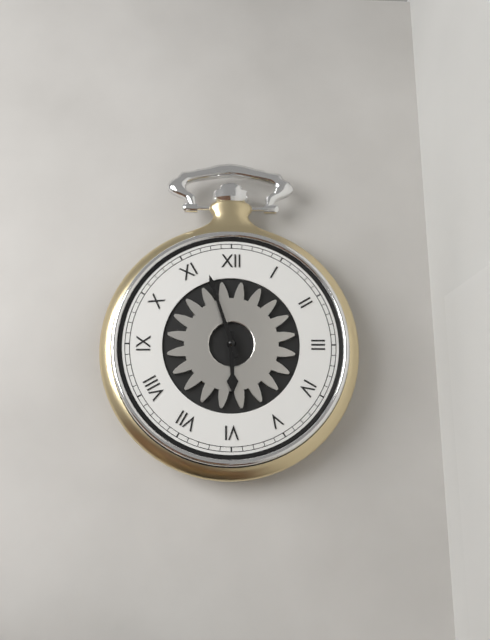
5:57
